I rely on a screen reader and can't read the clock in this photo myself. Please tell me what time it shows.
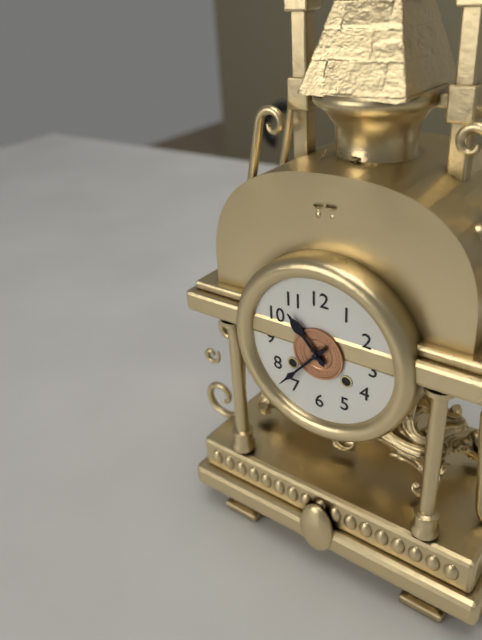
10:37
